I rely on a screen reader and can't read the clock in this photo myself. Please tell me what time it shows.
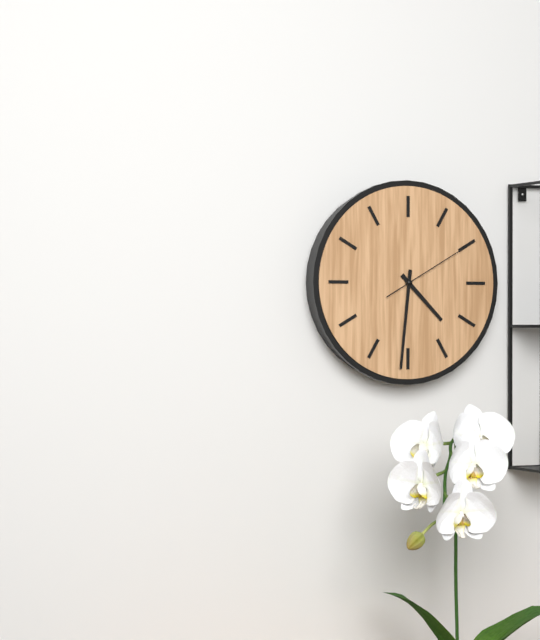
4:31:10
